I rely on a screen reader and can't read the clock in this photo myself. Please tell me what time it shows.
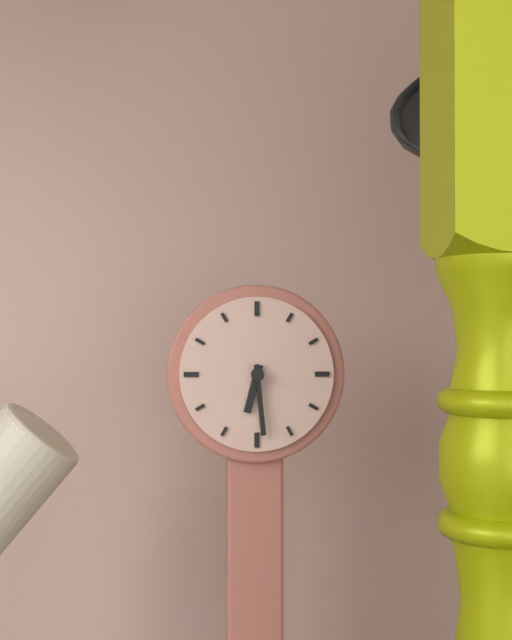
6:29
